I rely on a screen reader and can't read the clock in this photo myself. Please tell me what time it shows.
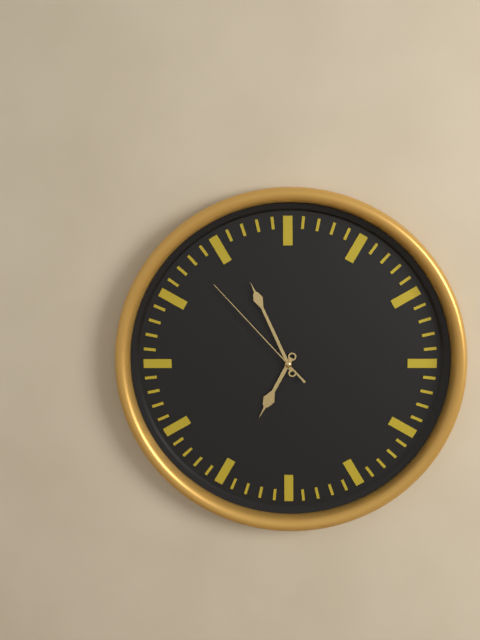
6:56:53
